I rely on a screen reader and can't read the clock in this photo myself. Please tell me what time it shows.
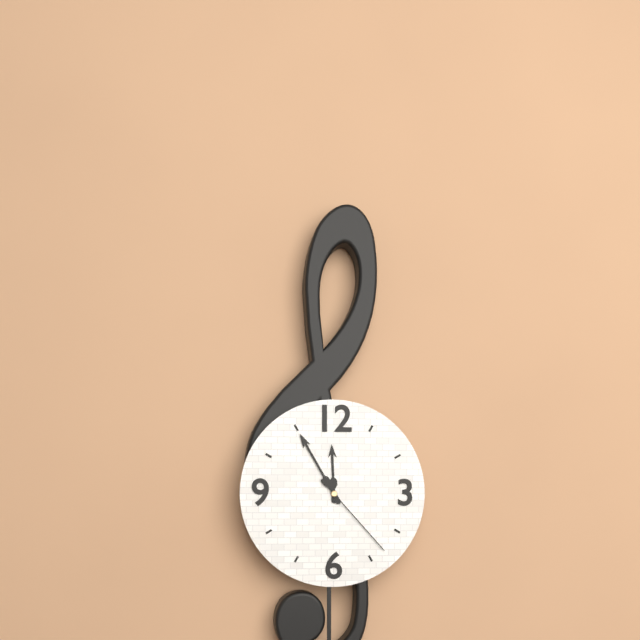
11:55:23
